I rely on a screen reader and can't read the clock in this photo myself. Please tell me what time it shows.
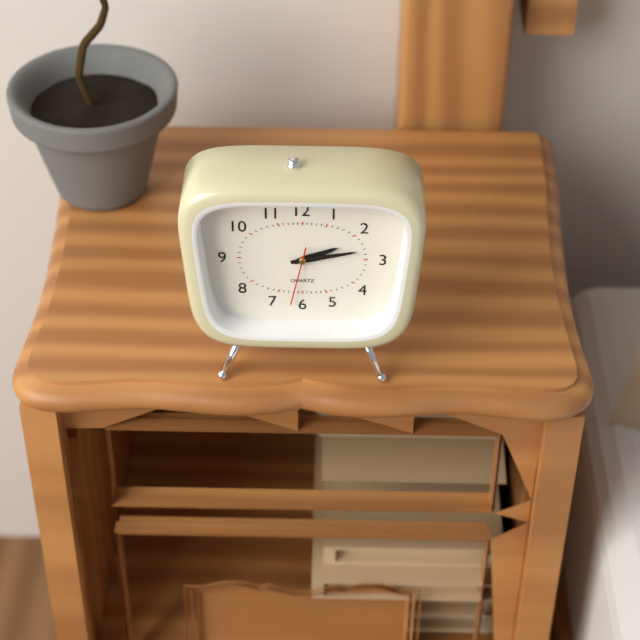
2:13:32
